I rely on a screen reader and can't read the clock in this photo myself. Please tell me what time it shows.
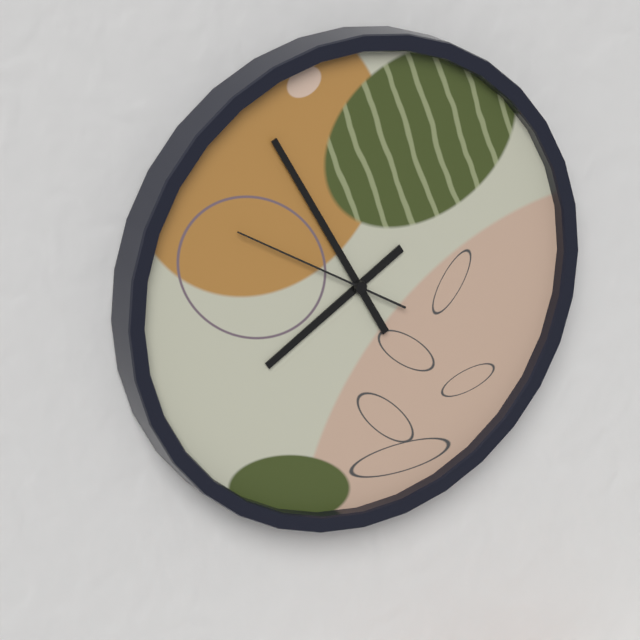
7:55:50
